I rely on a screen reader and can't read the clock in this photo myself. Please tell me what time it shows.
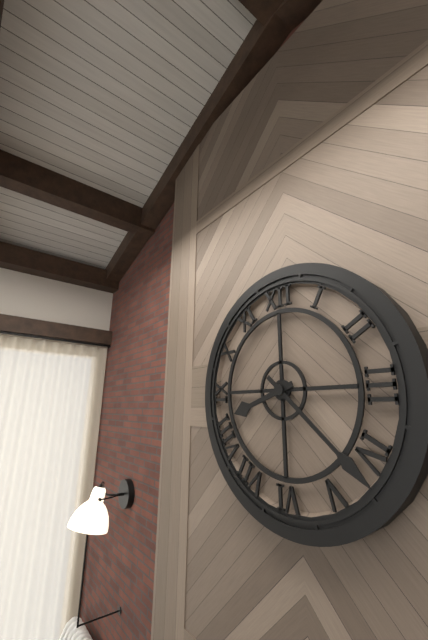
8:22
